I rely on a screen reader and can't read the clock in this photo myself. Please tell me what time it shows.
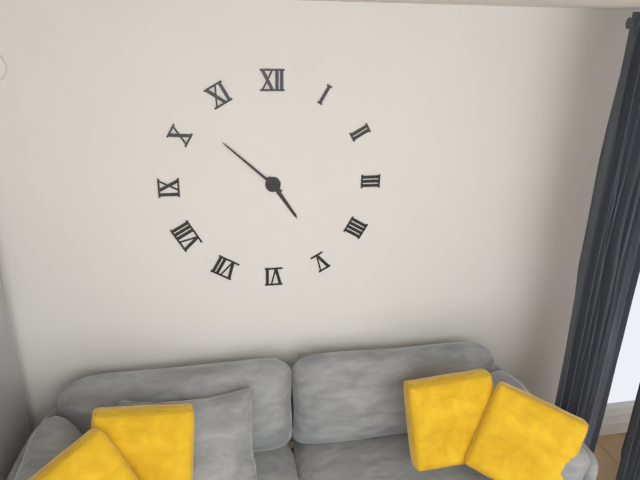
4:52
